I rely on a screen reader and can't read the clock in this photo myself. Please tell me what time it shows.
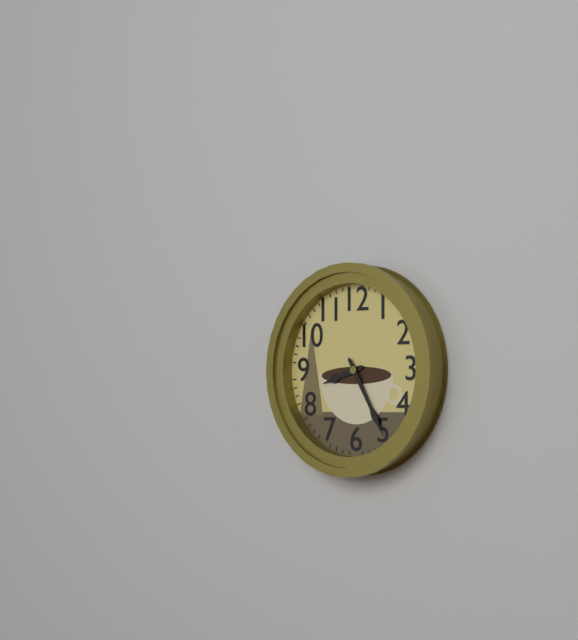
8:25
